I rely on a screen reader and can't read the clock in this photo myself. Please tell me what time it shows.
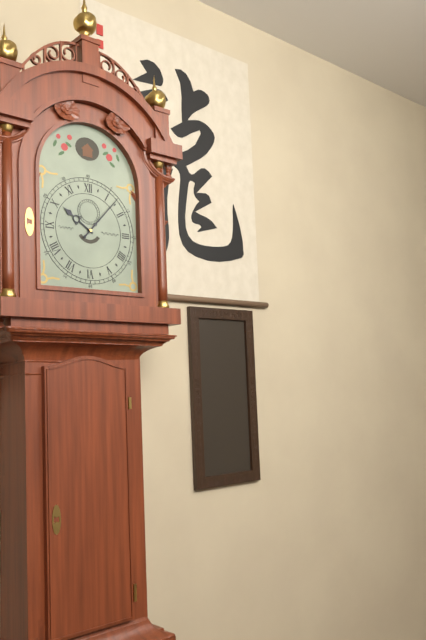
10:07
